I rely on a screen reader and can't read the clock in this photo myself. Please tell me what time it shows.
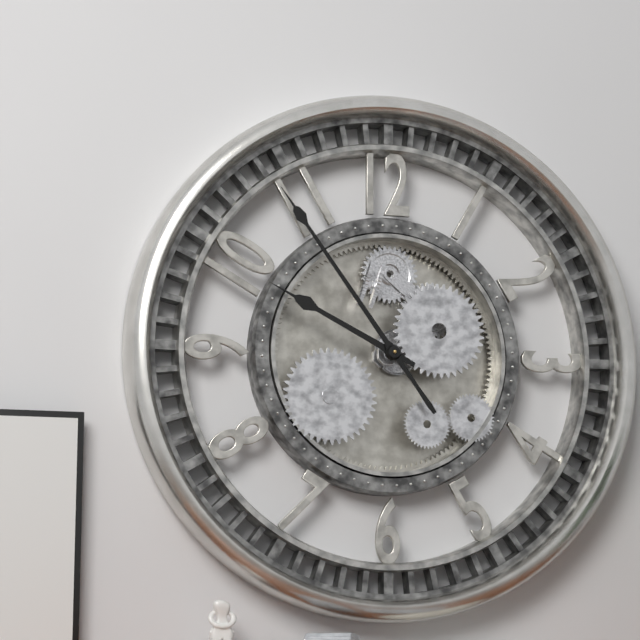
9:54
